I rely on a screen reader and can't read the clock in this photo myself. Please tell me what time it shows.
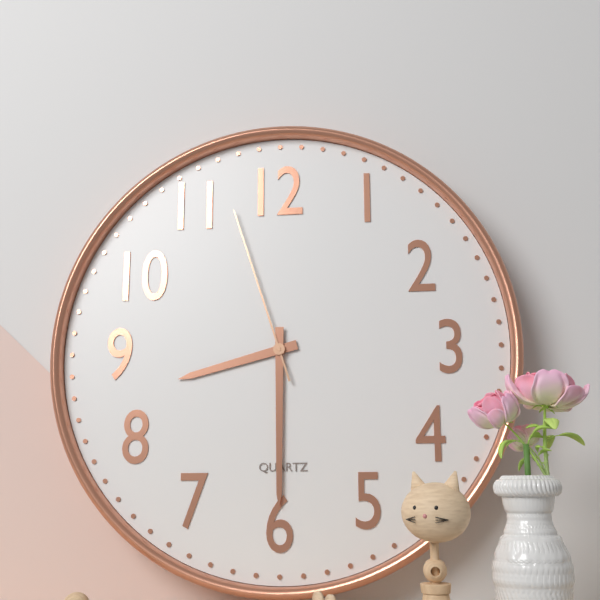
8:30:57
